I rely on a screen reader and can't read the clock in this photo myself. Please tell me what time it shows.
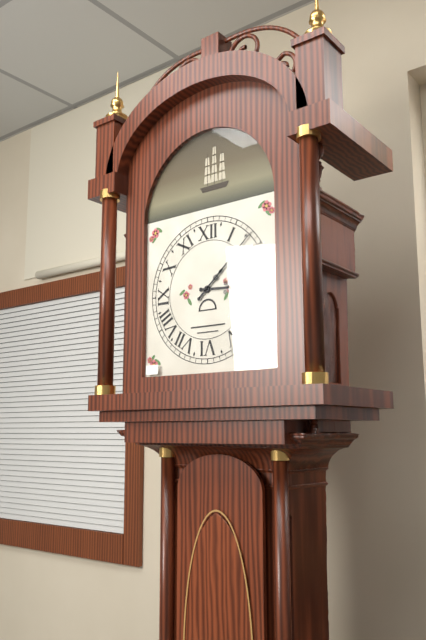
3:08
